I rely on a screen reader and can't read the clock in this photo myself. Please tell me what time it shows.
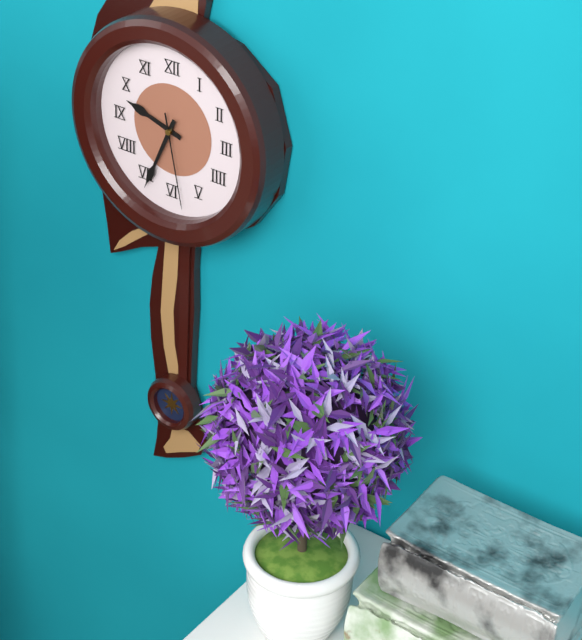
9:34:28
